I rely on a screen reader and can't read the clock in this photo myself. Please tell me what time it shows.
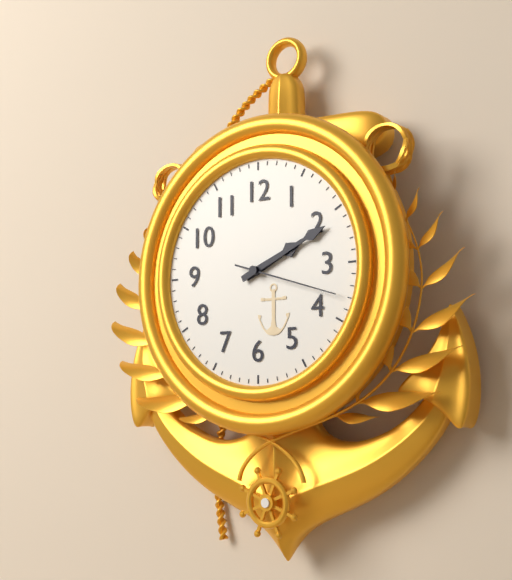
2:11:18
